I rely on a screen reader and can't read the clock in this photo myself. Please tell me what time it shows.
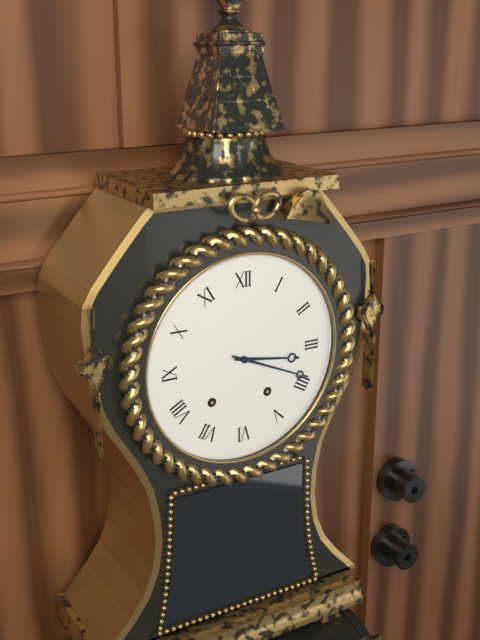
3:19
